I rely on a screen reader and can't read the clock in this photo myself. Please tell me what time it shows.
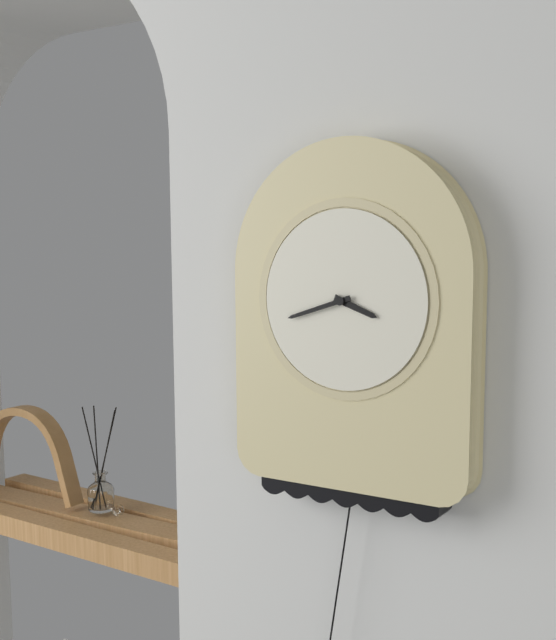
3:42
